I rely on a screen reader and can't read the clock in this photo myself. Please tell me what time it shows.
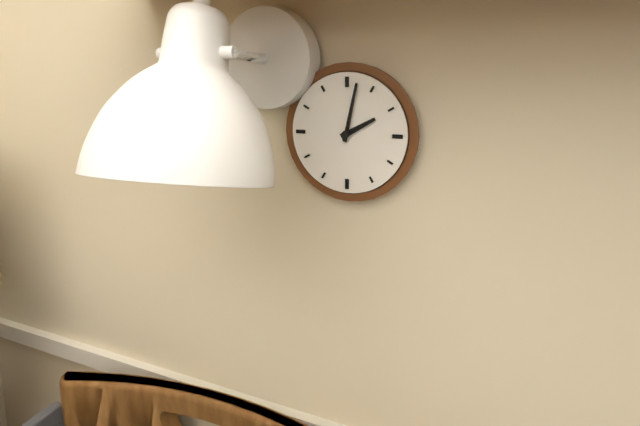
2:02
